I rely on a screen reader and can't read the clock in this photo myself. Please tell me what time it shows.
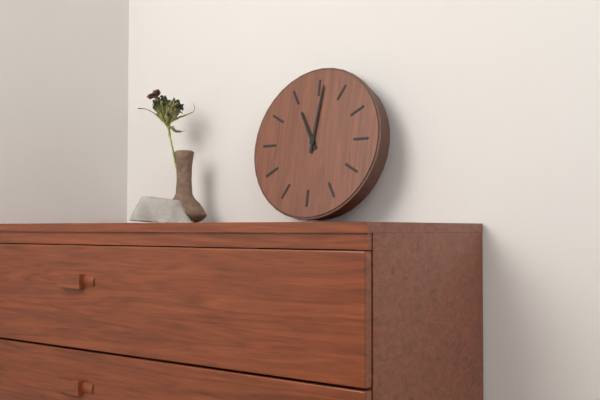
11:01
